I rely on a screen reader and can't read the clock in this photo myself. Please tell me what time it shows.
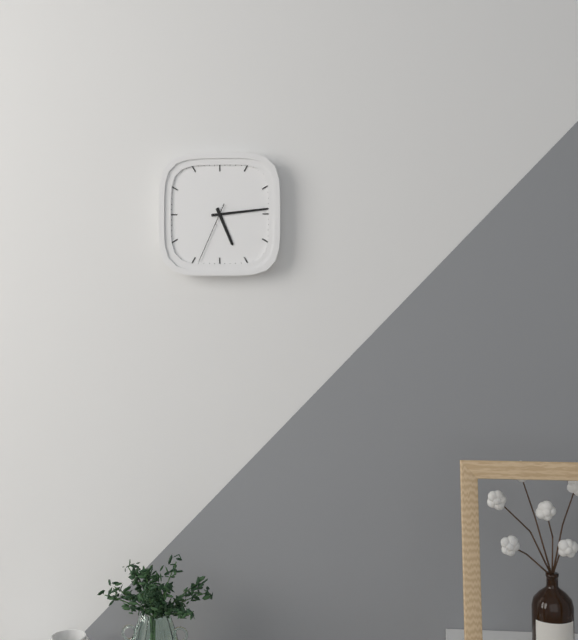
5:14:34
